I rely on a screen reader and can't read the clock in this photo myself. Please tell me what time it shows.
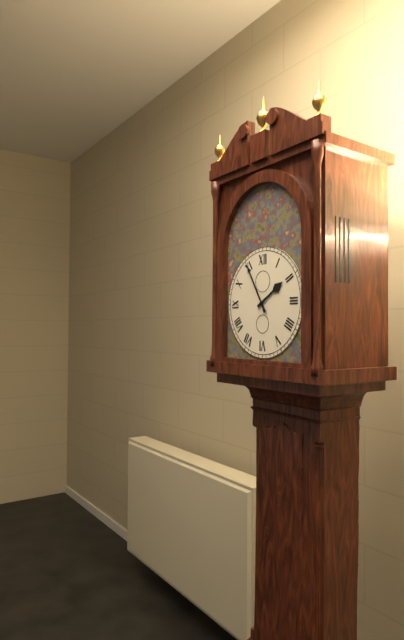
1:55
